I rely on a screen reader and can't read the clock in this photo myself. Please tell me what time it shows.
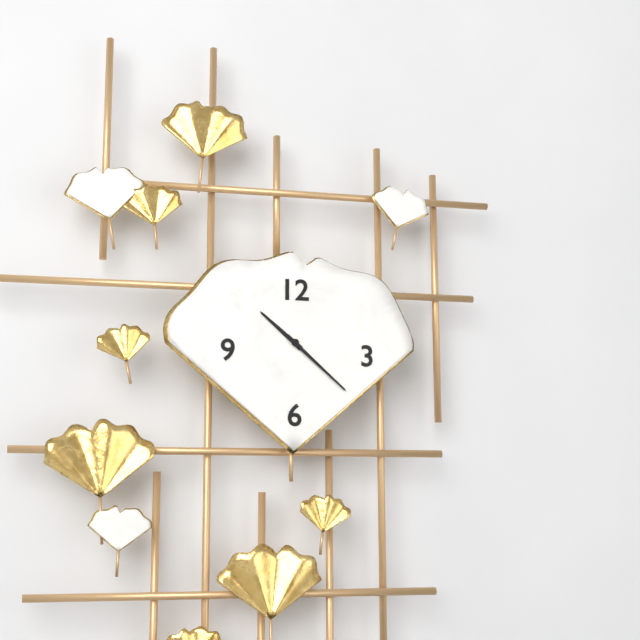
10:22
